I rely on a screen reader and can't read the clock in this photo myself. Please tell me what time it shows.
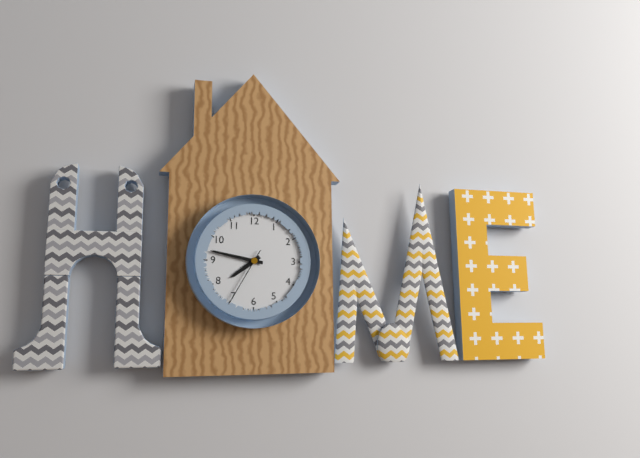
7:47:35
